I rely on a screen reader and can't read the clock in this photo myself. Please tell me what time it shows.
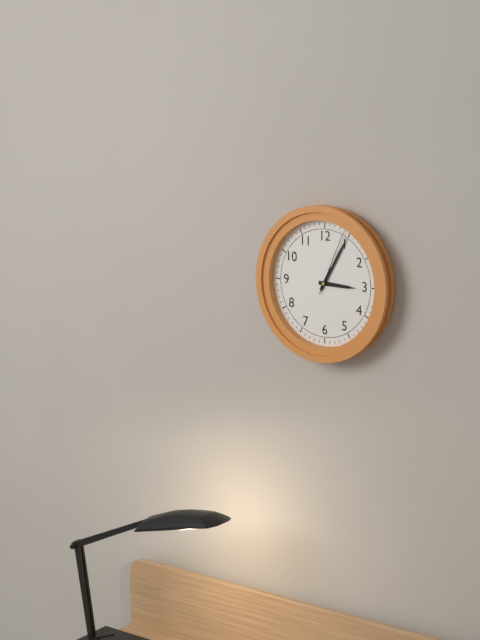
3:05:04
